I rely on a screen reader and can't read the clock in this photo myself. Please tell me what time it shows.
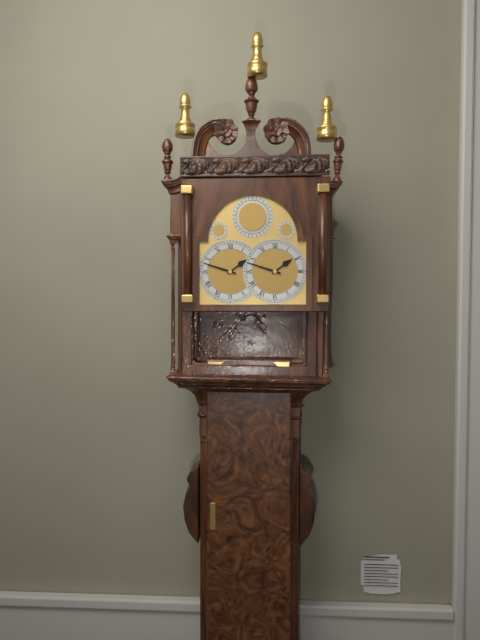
1:48
